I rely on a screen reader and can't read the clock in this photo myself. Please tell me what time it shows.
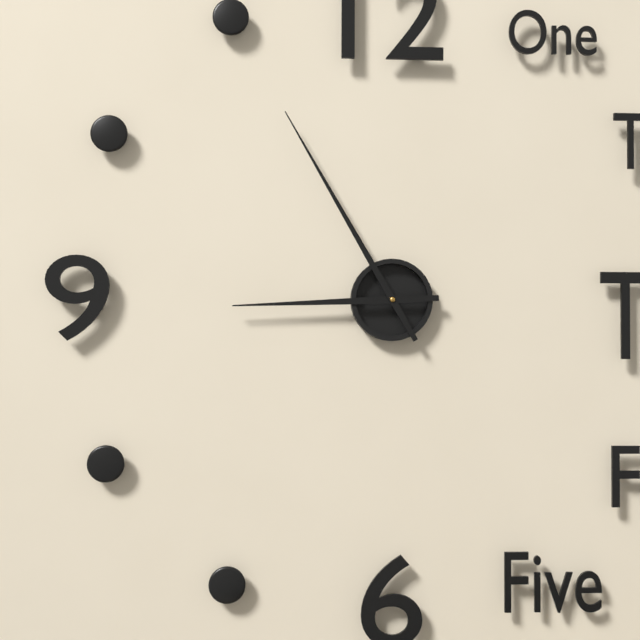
8:55
